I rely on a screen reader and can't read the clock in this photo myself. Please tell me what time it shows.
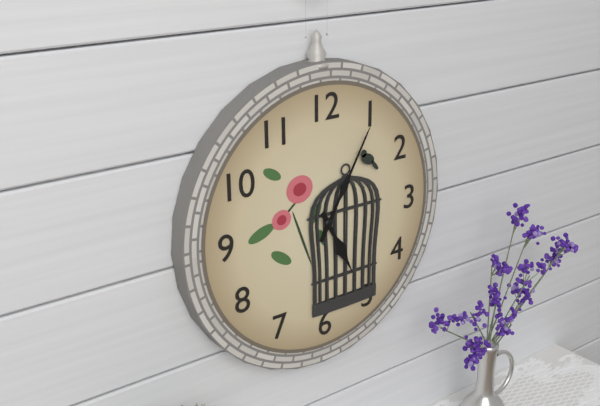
5:05
